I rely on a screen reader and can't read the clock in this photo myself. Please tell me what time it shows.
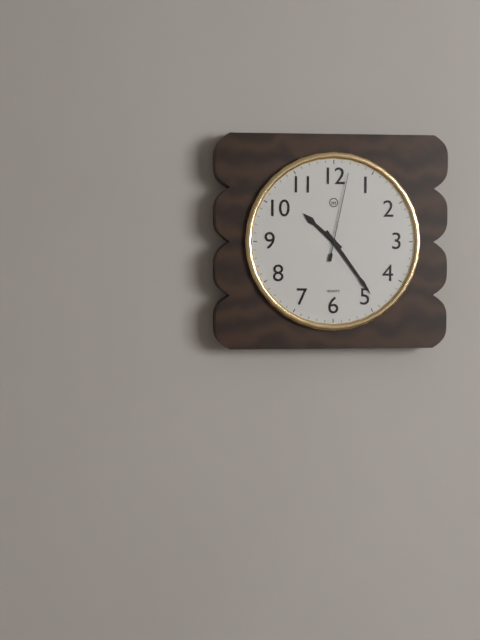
10:24:02
